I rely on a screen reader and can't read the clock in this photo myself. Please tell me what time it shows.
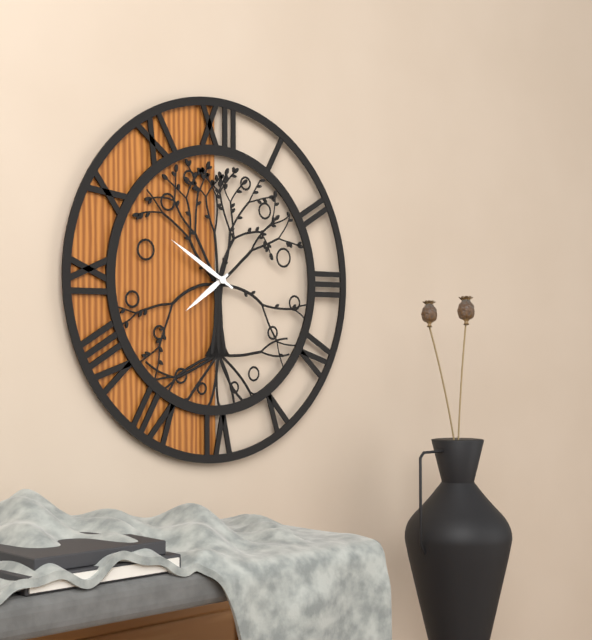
7:50
